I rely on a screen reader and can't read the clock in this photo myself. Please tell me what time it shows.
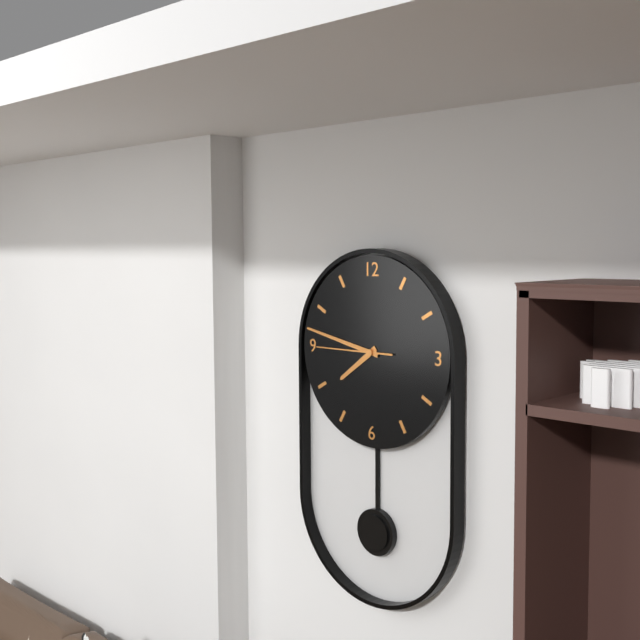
7:47:45
